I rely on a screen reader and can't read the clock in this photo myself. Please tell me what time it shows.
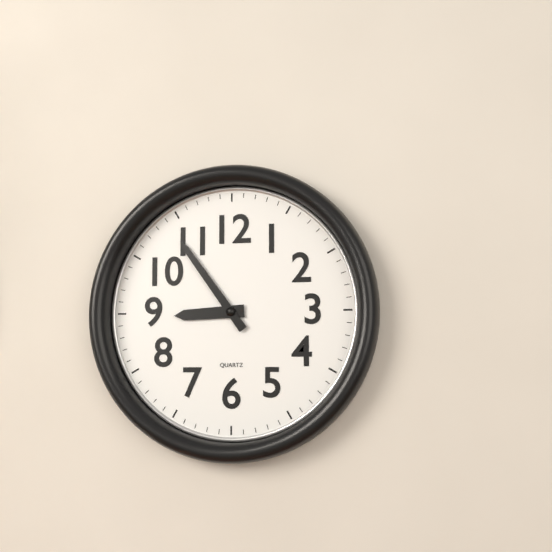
8:54
